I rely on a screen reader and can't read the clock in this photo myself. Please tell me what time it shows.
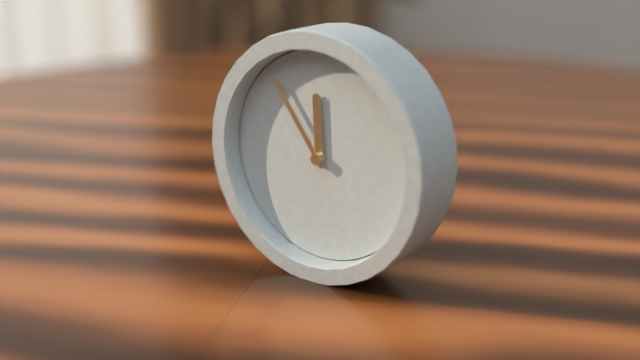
11:54
